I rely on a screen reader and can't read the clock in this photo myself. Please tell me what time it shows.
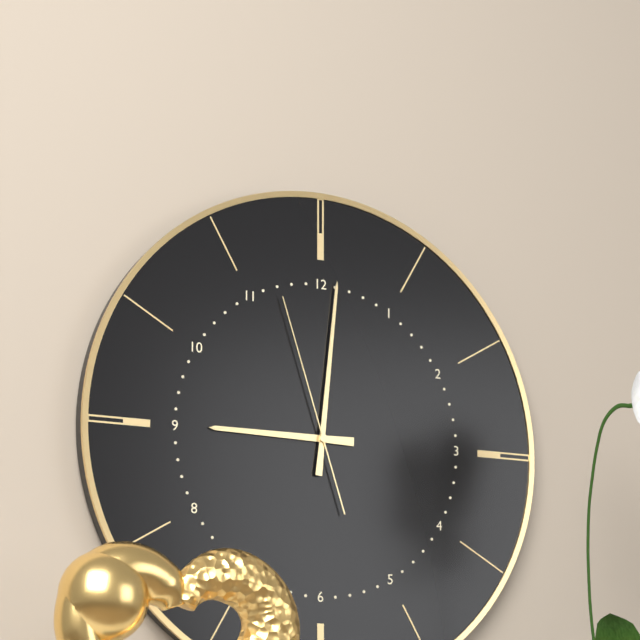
9:01:57
